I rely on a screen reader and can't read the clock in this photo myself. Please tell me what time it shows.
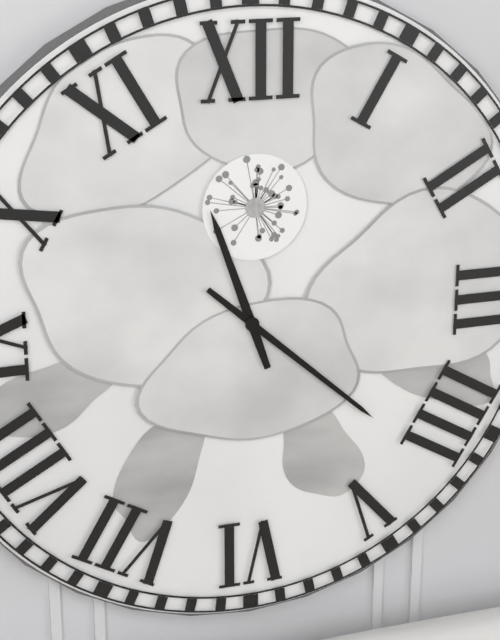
11:22
